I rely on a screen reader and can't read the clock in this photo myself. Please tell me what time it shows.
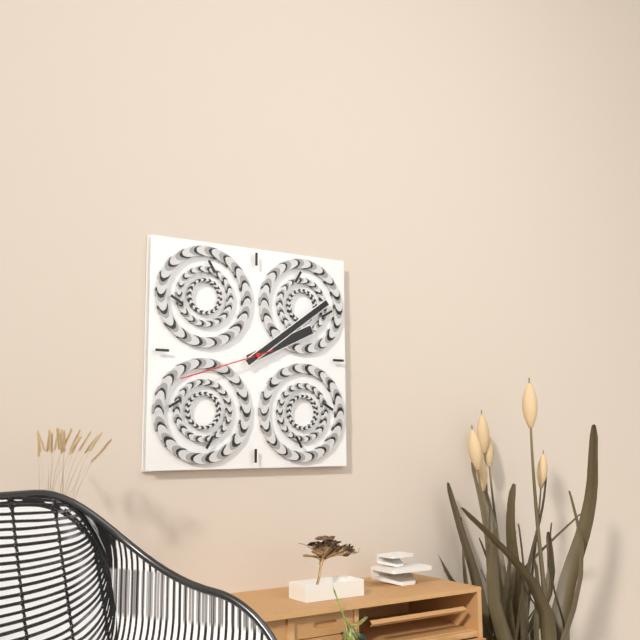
2:09:42
